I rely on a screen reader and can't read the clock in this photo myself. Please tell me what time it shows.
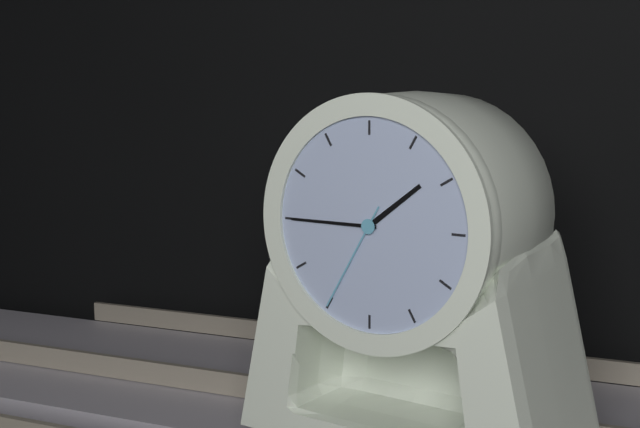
1:45:35
